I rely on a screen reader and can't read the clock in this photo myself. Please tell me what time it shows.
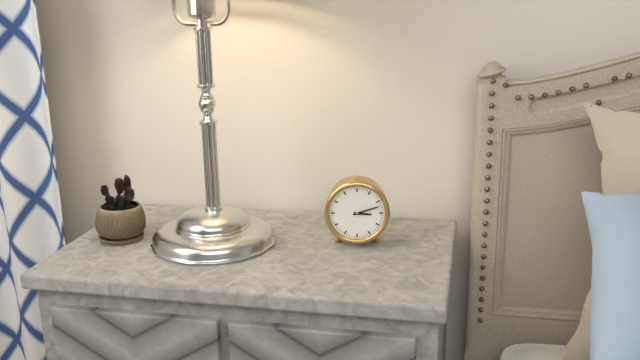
3:12
